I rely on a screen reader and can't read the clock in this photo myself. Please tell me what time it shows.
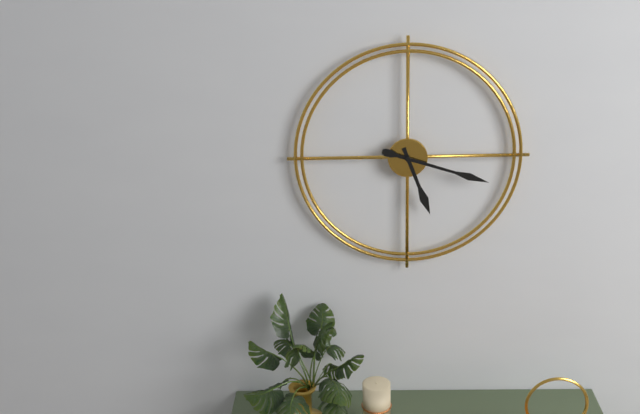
5:18
